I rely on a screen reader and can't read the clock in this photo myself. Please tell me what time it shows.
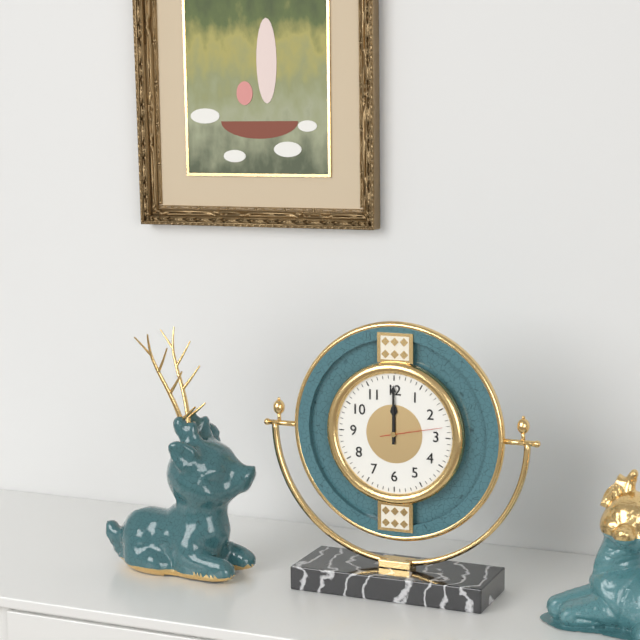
12:00:13
